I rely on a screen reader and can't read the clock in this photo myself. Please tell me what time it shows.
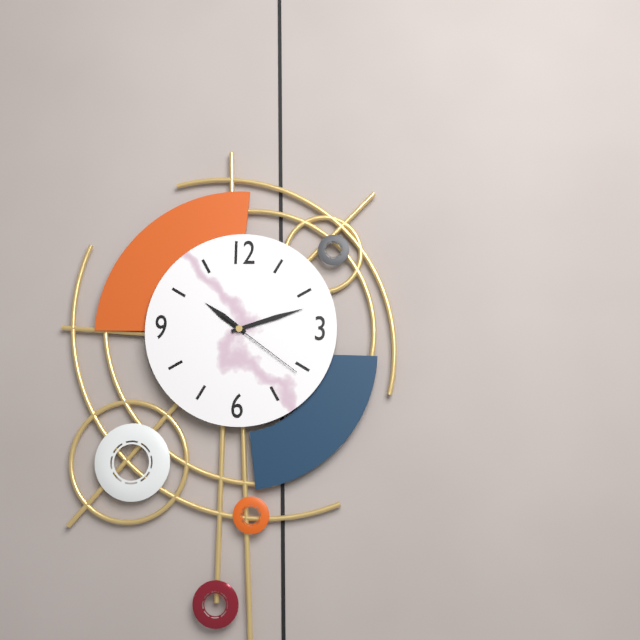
10:12:21
